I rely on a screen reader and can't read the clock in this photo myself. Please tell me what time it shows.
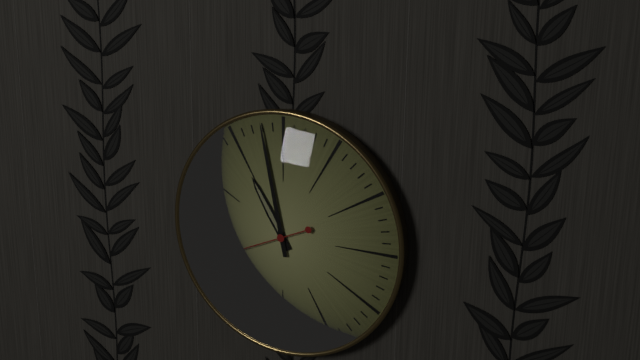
10:58:41
